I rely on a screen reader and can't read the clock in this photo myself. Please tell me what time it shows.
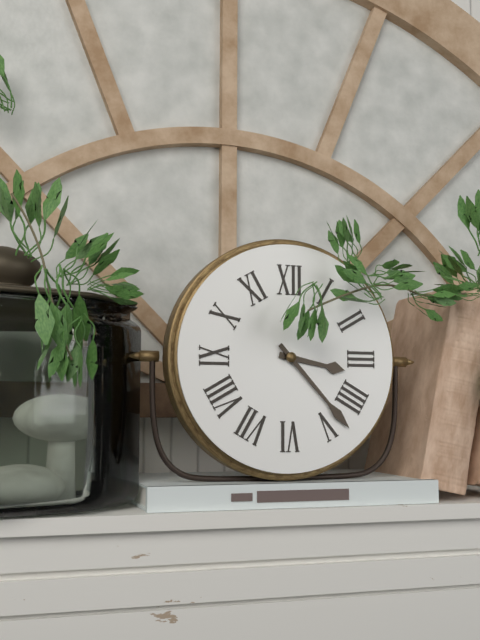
3:23
